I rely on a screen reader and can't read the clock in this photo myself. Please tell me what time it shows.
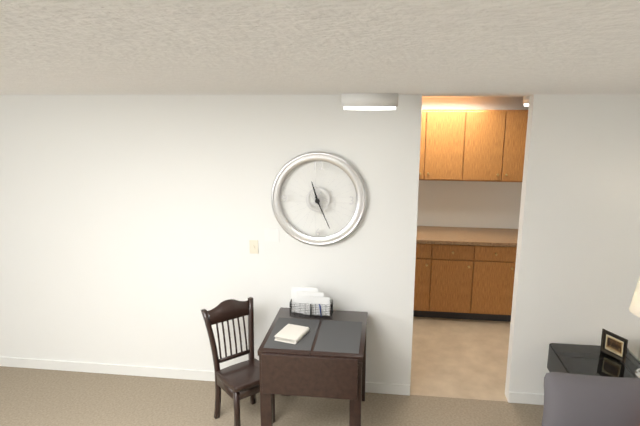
11:26
